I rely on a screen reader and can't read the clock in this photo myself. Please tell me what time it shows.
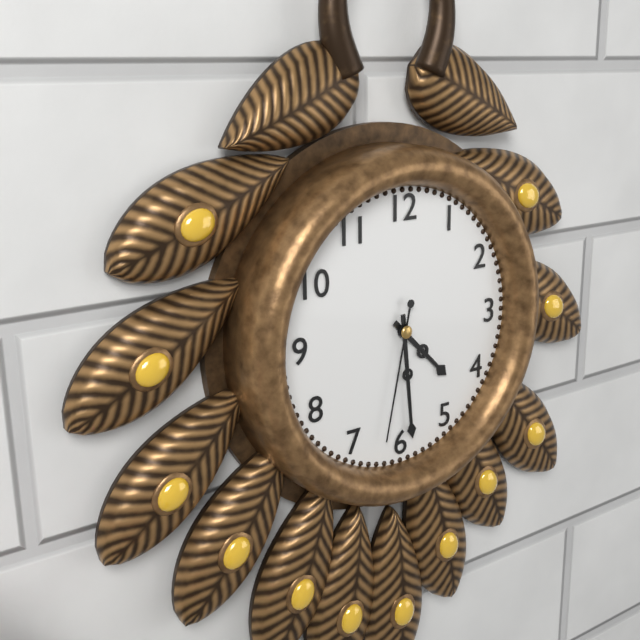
4:29:32
